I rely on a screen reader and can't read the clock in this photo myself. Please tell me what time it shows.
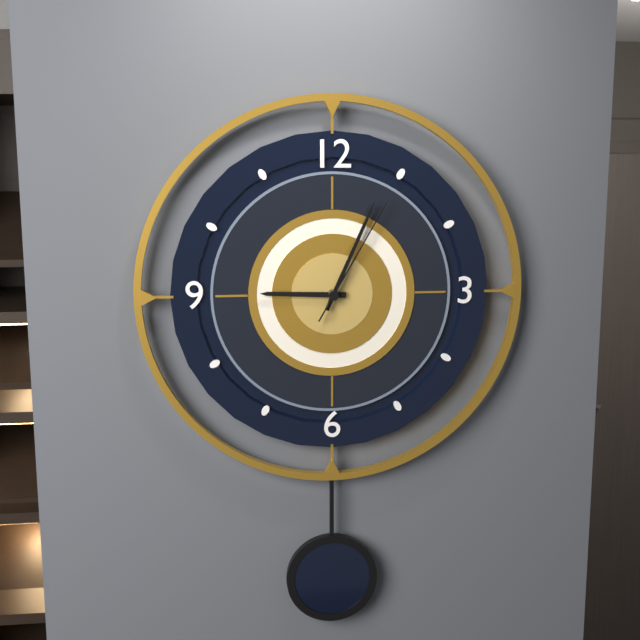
9:04:05
